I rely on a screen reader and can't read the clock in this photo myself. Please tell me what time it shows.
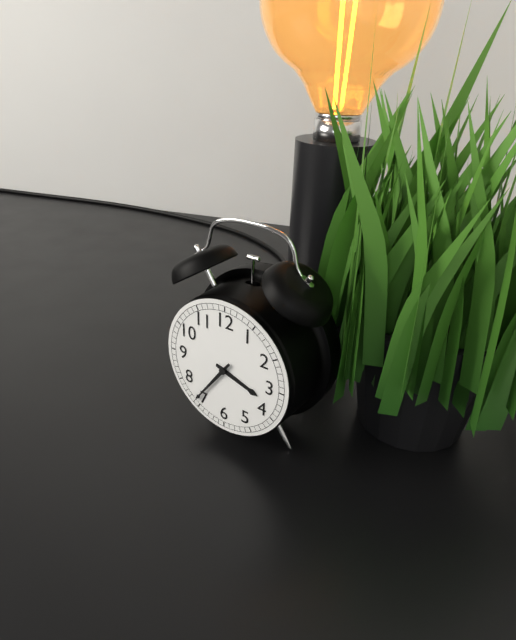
3:36
